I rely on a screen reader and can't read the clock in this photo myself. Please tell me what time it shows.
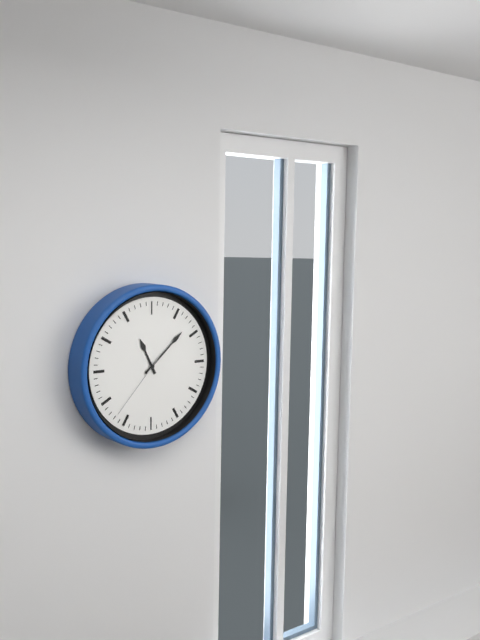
11:08:37
